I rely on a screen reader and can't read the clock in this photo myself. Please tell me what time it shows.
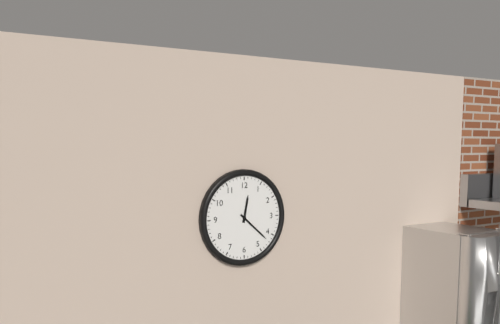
12:22
